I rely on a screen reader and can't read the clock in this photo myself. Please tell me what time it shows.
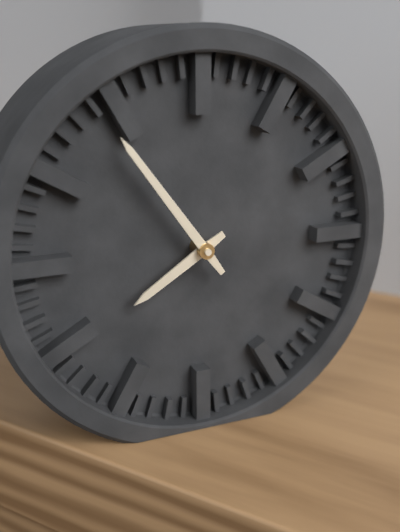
7:54
